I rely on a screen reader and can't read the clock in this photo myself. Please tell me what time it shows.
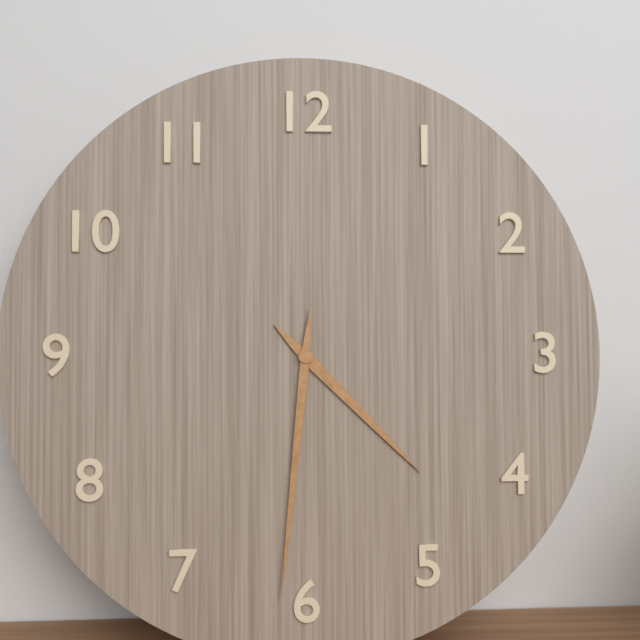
4:31
